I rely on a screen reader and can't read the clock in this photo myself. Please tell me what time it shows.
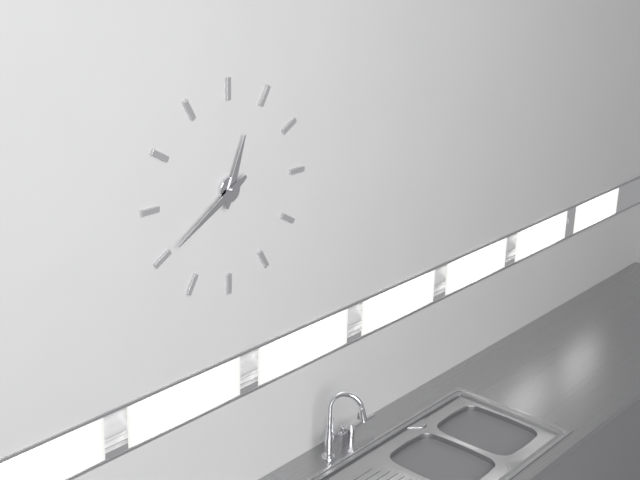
12:40
